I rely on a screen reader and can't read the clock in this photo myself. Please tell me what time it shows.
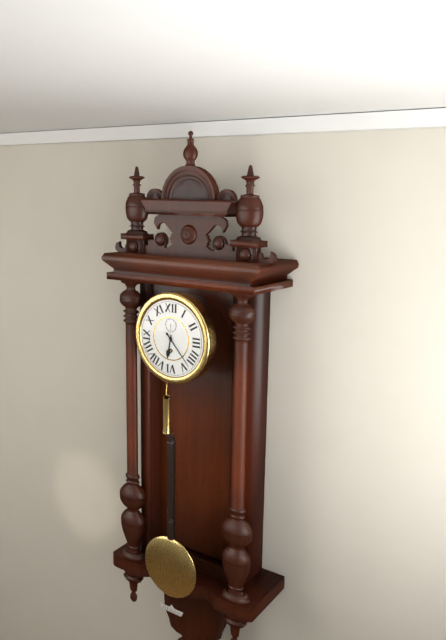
6:23
